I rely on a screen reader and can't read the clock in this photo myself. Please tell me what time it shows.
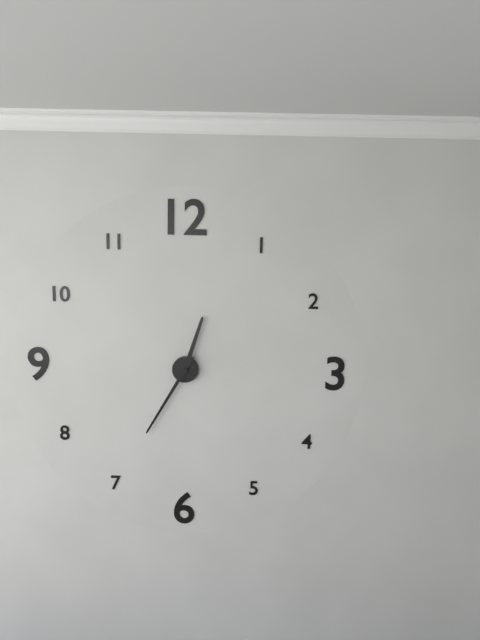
12:35
